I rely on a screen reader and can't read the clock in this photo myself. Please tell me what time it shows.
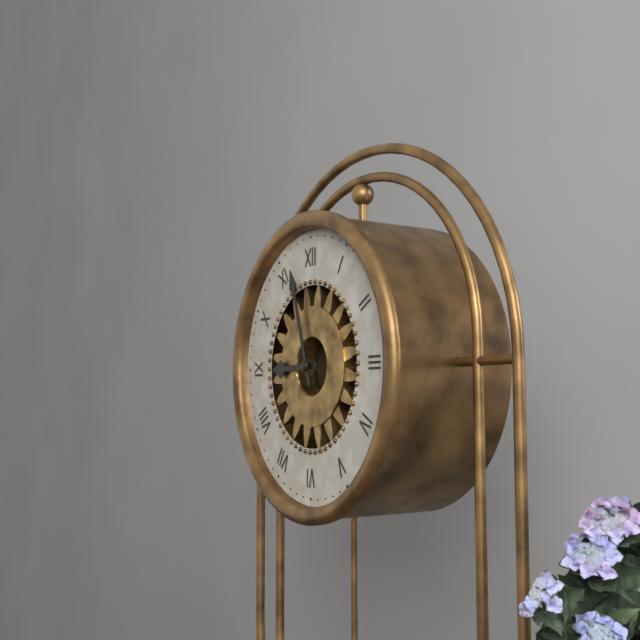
8:57
